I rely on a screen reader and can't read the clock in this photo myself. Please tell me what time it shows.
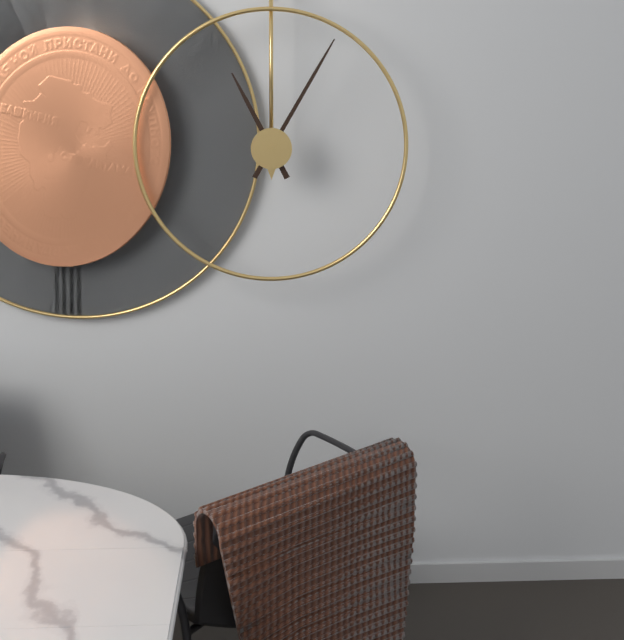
11:05
